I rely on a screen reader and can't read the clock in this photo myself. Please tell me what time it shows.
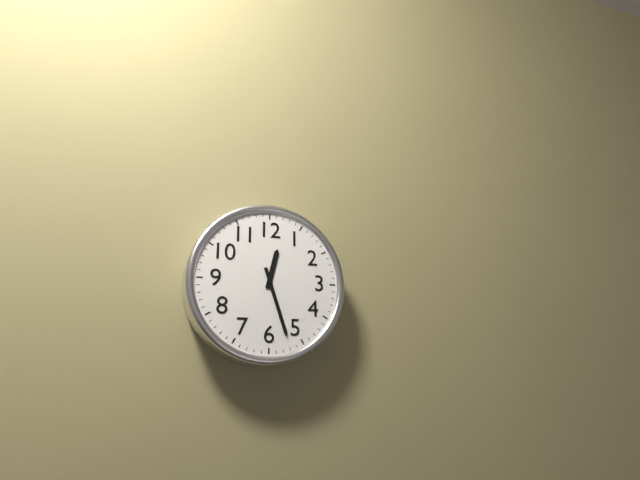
12:27
